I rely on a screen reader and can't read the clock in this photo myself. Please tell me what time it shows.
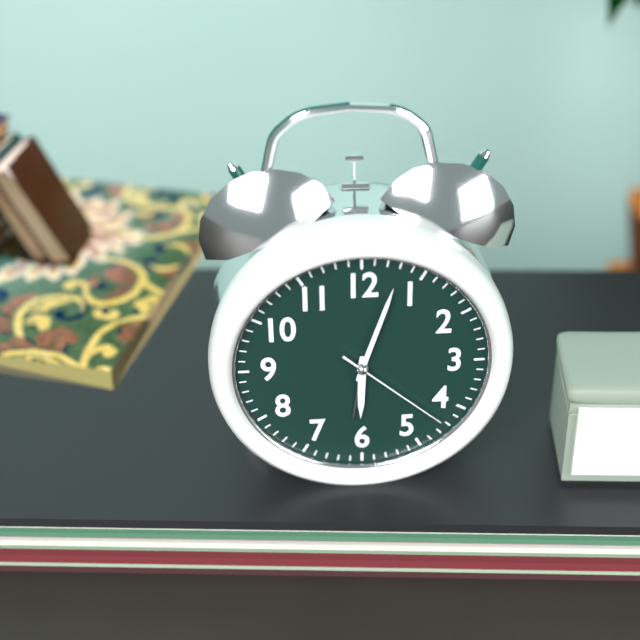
6:03:22
